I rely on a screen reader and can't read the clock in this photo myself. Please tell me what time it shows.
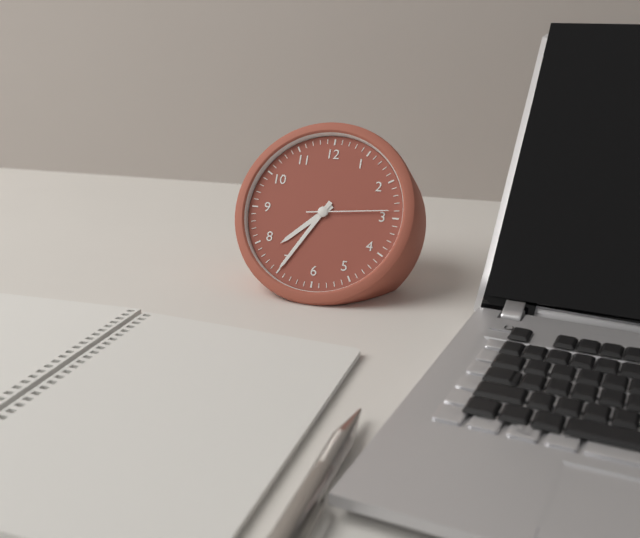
7:35:14
